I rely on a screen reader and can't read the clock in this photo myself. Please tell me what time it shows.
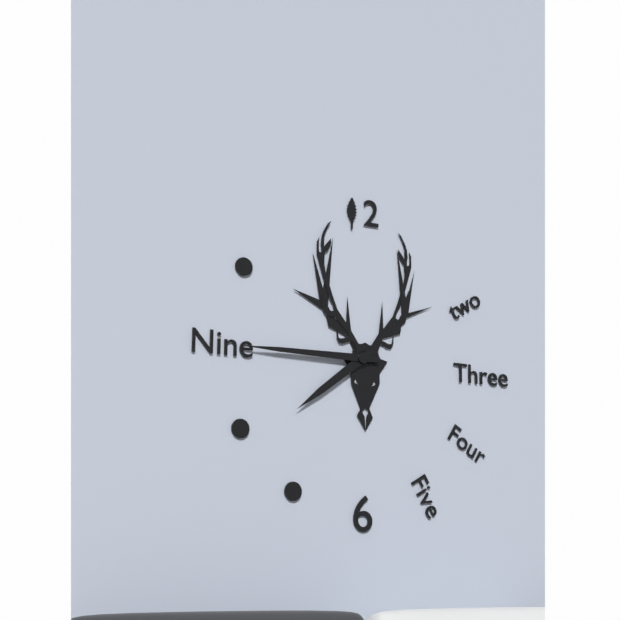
7:45
